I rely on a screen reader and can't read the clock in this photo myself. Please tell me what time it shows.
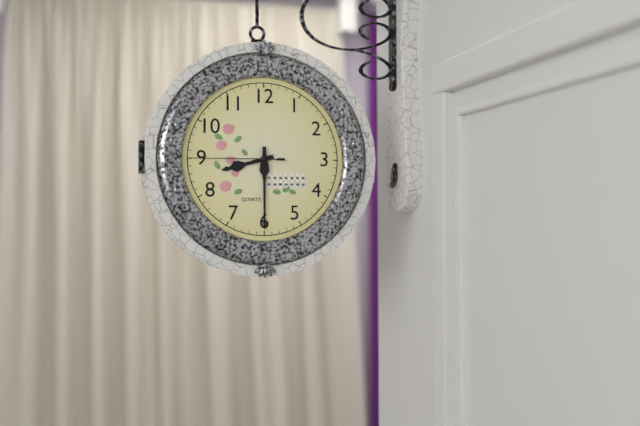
8:30:45
